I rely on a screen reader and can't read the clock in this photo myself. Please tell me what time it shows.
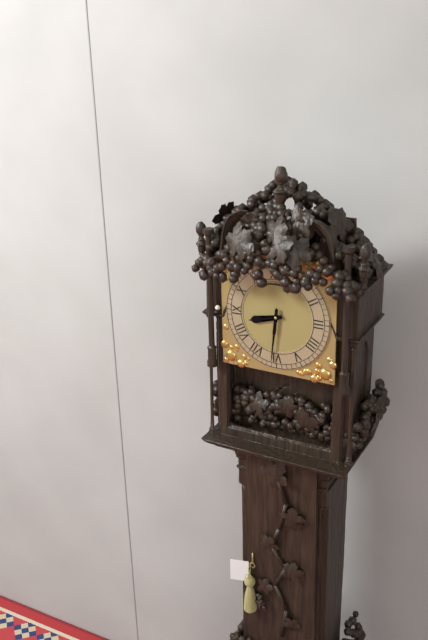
8:31
